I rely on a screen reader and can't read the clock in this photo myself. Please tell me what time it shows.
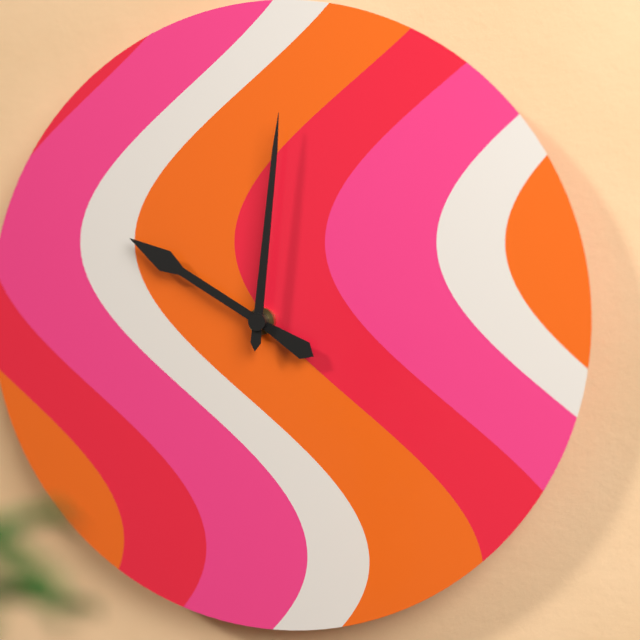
10:01
